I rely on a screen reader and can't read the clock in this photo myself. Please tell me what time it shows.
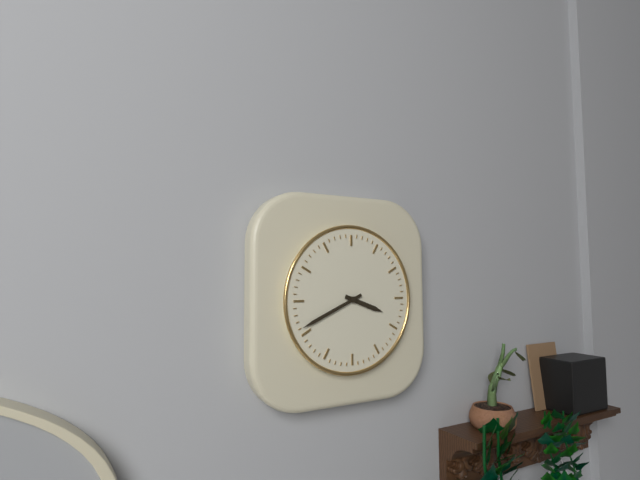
3:41
